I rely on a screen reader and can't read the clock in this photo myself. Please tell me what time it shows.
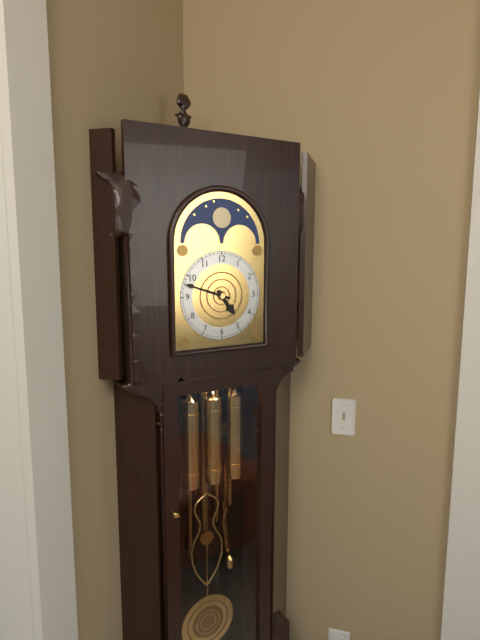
4:48
